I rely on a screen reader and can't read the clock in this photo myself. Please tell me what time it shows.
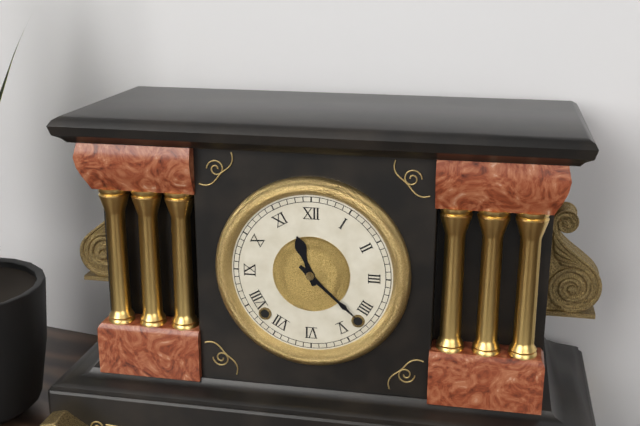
11:22
